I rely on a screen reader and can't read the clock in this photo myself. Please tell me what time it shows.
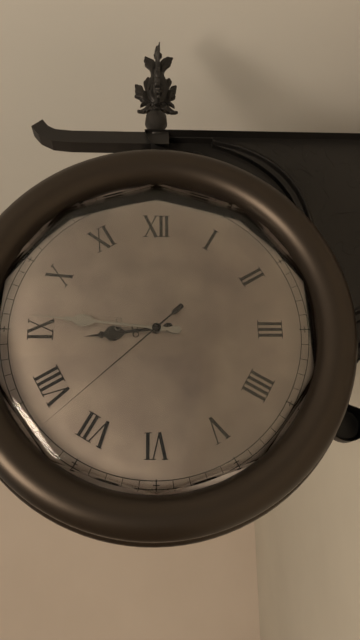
8:46:38
